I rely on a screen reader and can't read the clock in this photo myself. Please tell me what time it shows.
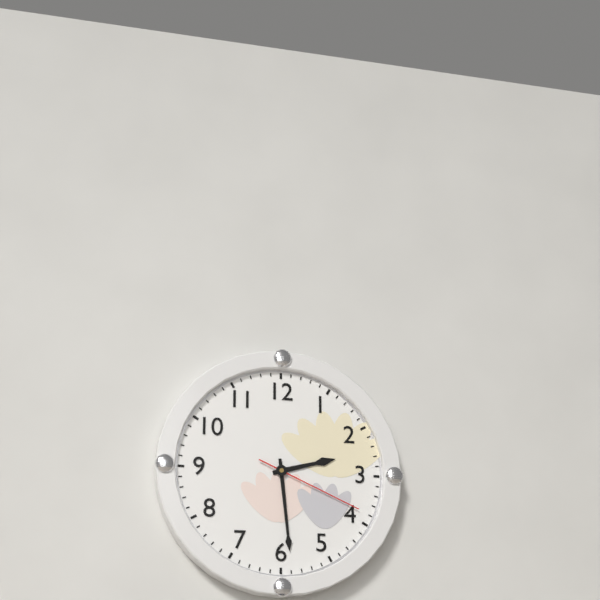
2:29:19
